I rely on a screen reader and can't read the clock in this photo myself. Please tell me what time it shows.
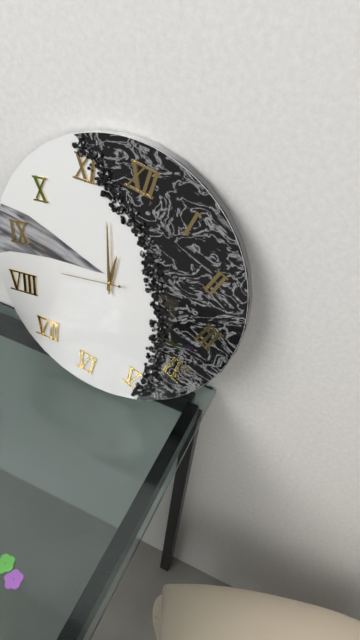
11:57:42
